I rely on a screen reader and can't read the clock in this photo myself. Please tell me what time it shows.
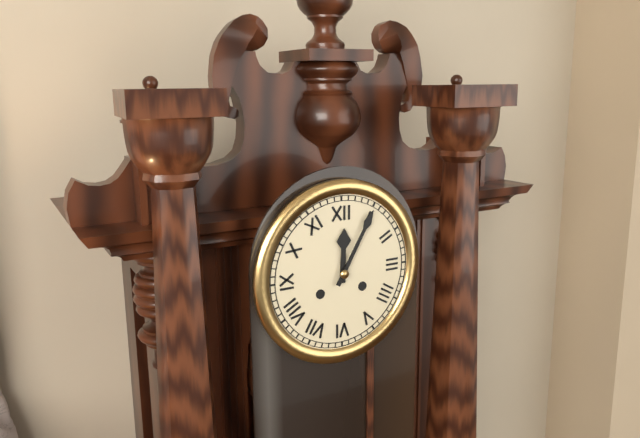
12:05
